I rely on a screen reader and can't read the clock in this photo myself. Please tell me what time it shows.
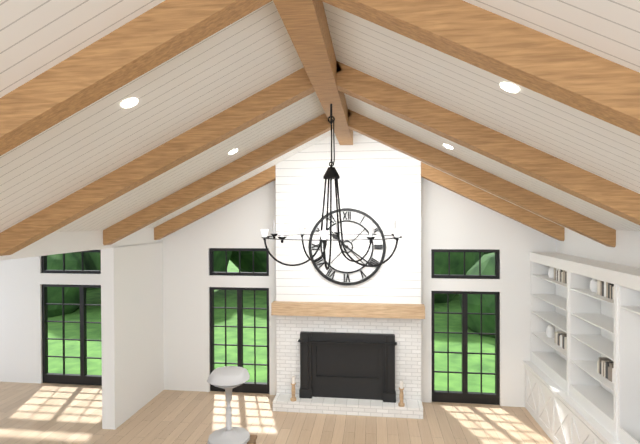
10:21
